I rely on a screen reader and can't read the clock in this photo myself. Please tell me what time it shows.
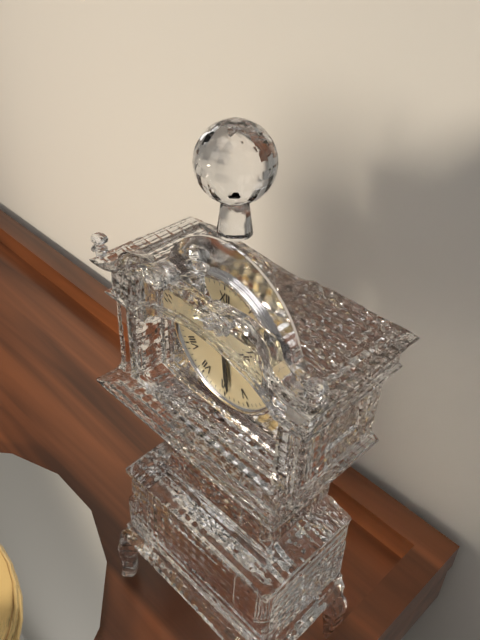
3:29
